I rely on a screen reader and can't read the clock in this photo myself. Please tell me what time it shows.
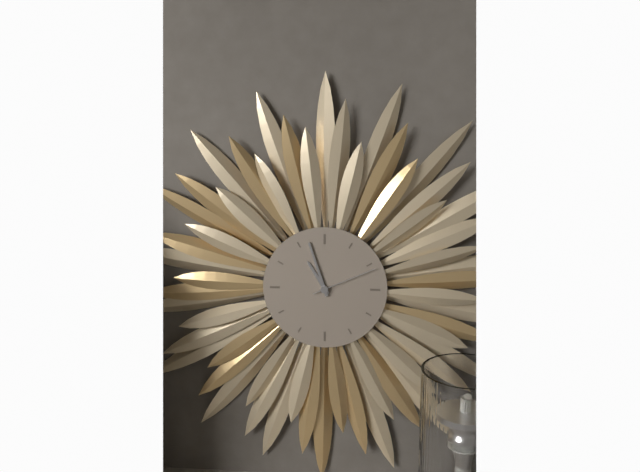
10:57:11
